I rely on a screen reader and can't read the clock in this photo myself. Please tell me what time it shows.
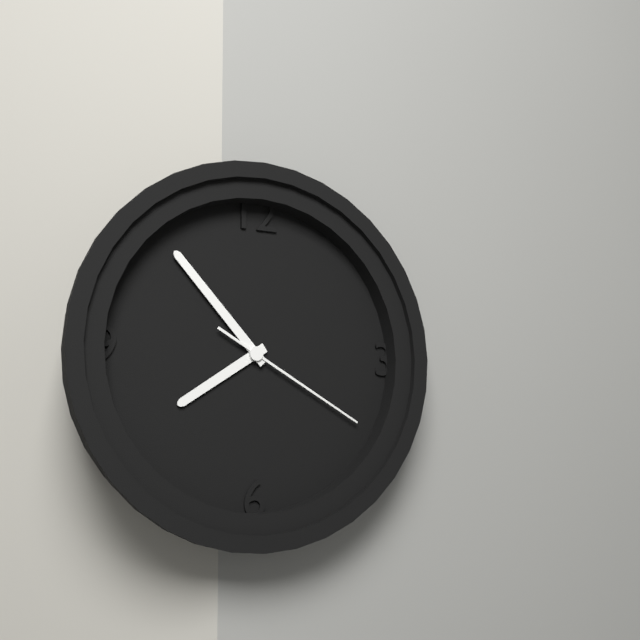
7:53:20
